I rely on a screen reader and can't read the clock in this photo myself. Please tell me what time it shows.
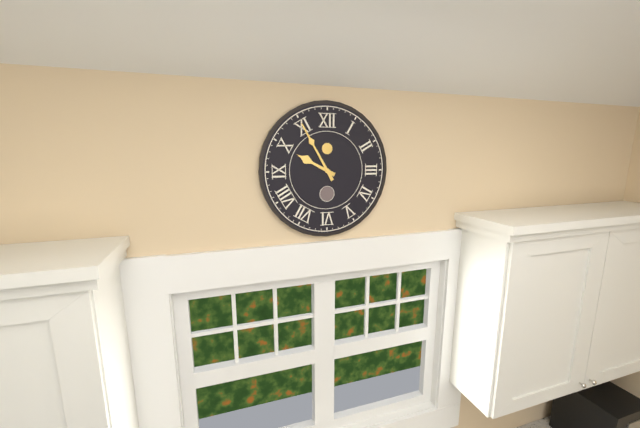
9:55
